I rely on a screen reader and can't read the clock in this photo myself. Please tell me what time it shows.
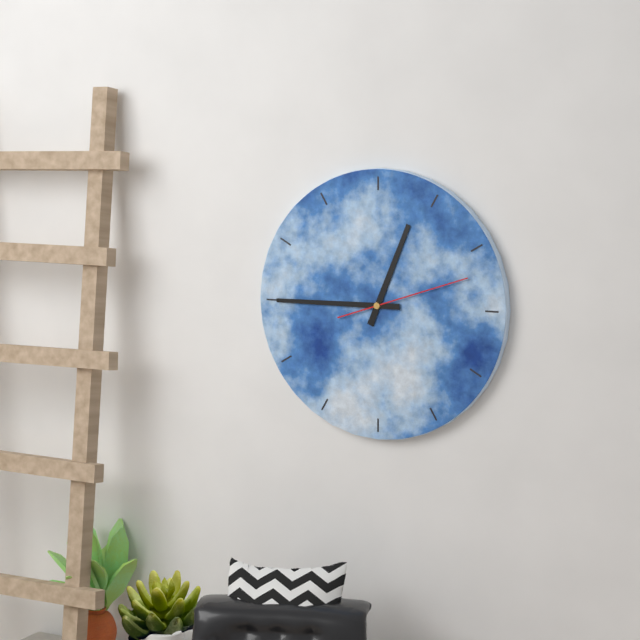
12:45:12
